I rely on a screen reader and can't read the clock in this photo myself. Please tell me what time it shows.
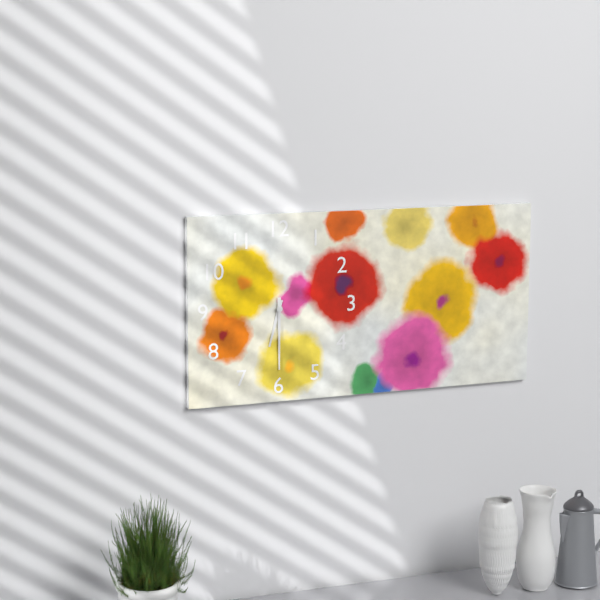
6:30
